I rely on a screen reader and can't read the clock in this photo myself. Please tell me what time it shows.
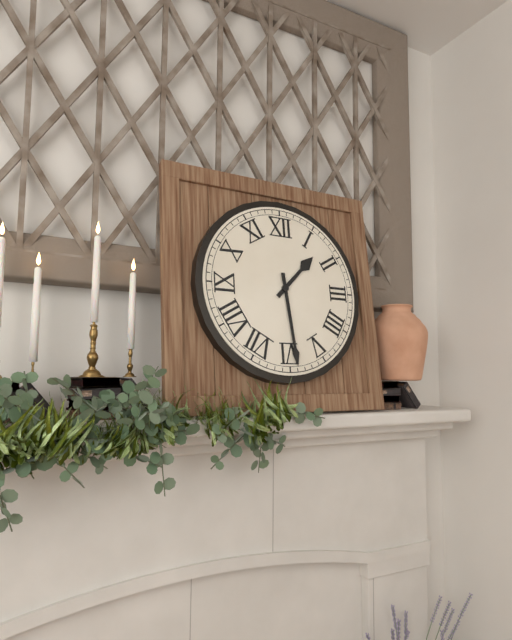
1:29
